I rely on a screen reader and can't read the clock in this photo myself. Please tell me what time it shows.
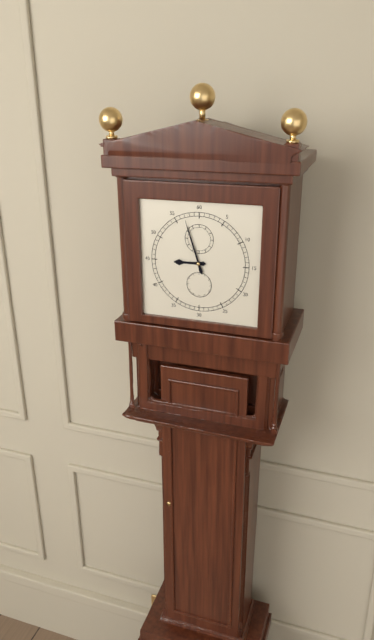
8:57
